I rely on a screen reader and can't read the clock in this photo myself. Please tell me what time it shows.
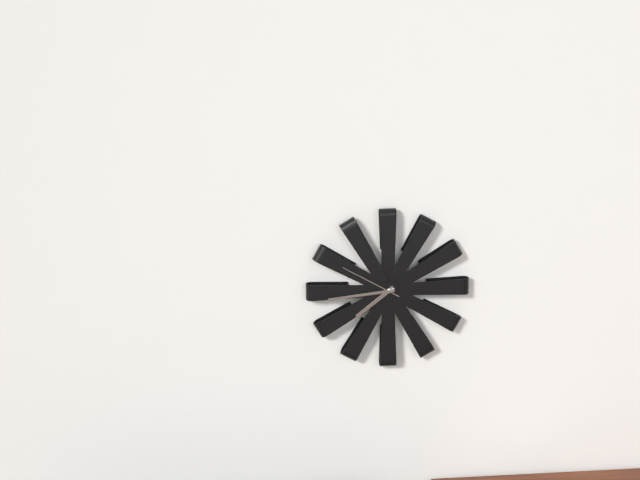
7:44:50
